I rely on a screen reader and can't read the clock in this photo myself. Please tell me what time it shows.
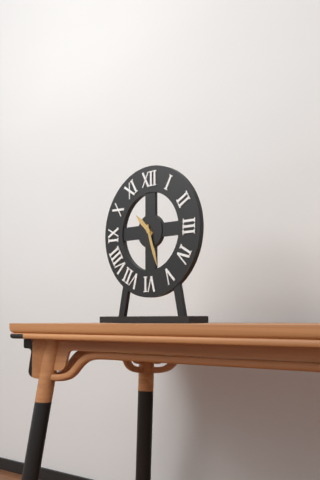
10:27
